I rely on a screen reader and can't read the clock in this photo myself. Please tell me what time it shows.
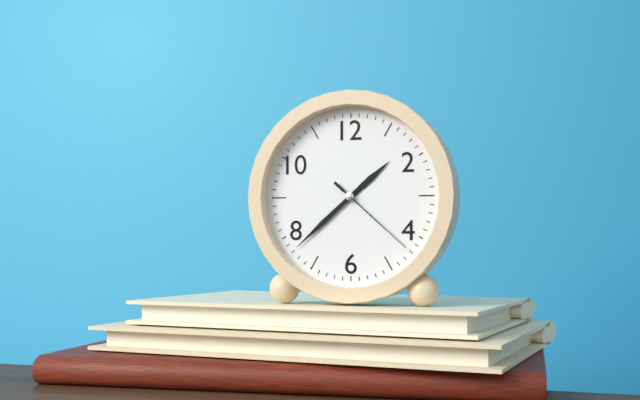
1:38:22
